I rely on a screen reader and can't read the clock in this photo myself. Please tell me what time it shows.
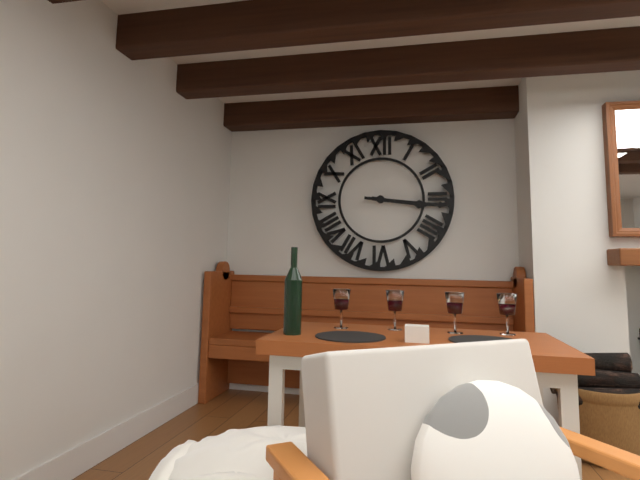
3:16
